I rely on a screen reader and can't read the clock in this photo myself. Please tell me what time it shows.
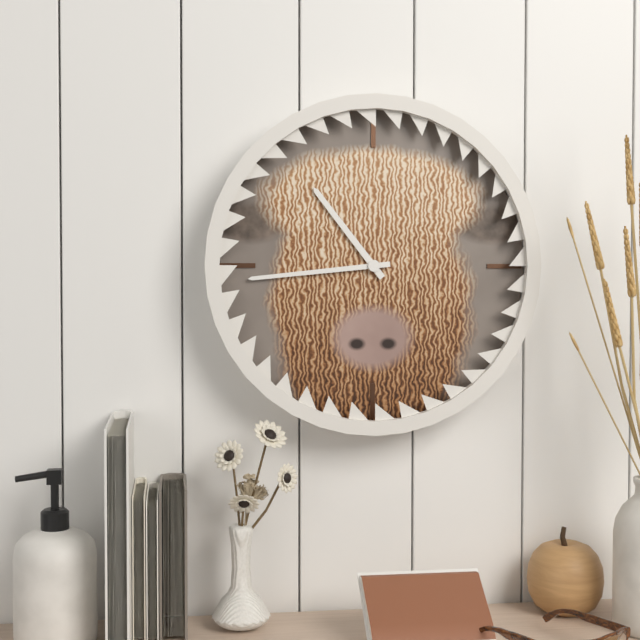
10:44
